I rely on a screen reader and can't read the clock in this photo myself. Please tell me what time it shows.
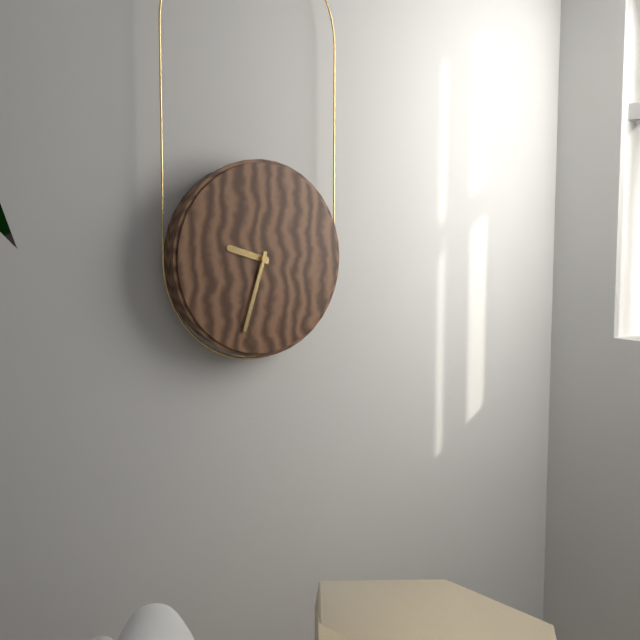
9:33
